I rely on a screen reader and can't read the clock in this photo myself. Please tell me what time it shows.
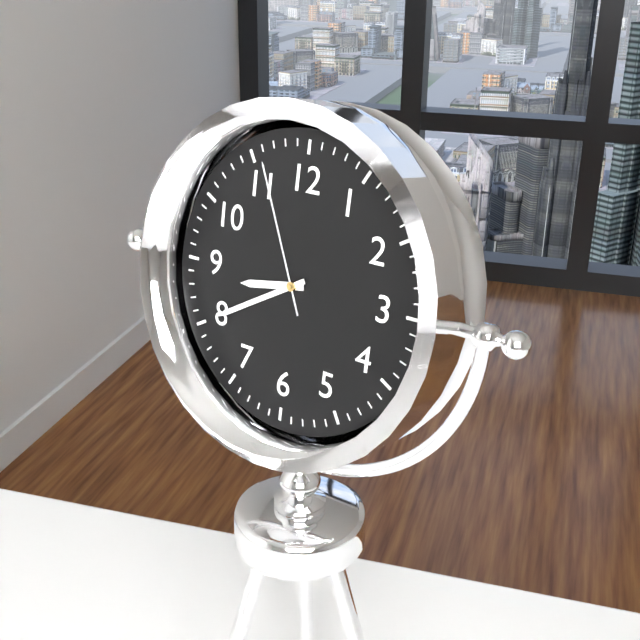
8:40:56
